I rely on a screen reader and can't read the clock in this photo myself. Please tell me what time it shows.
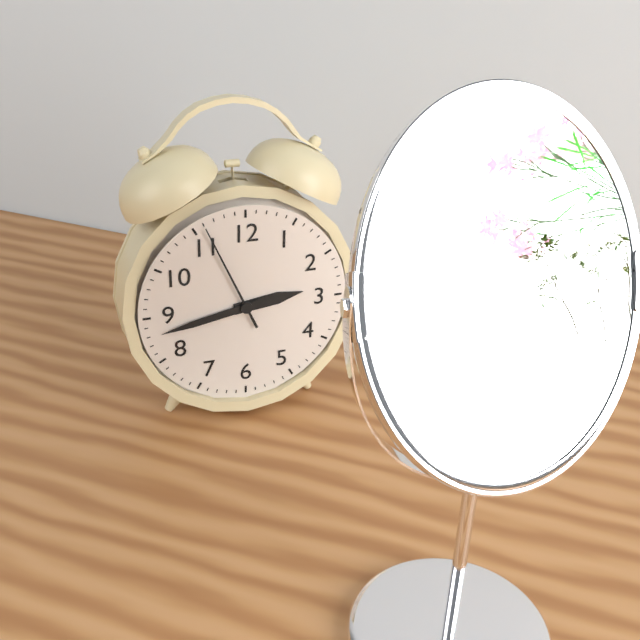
2:43:56
